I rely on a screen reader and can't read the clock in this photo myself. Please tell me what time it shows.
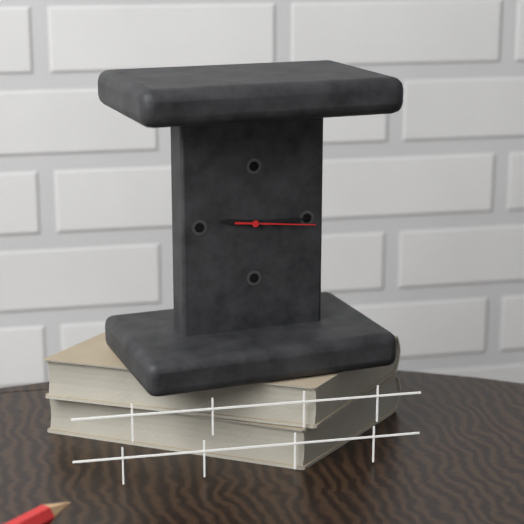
9:15:16
